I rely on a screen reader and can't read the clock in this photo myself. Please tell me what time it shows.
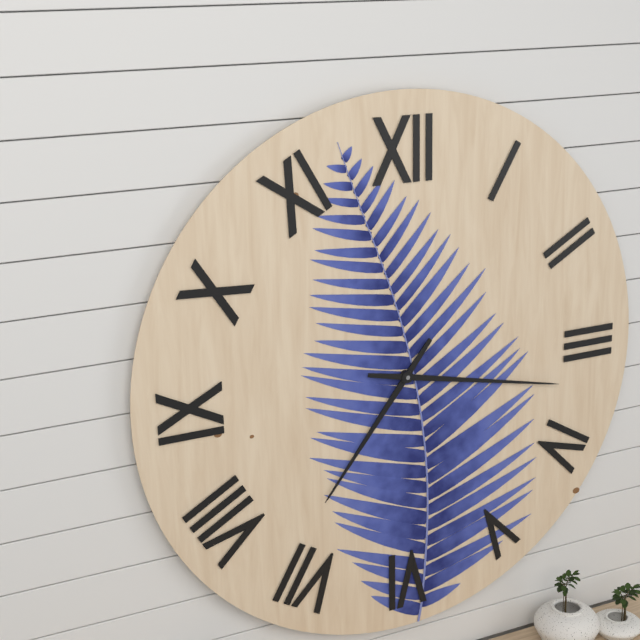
7:17
